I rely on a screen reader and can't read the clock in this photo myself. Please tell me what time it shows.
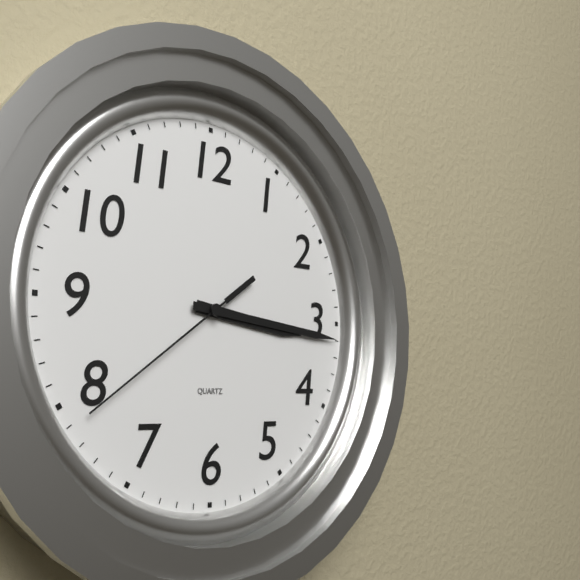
3:16:39
